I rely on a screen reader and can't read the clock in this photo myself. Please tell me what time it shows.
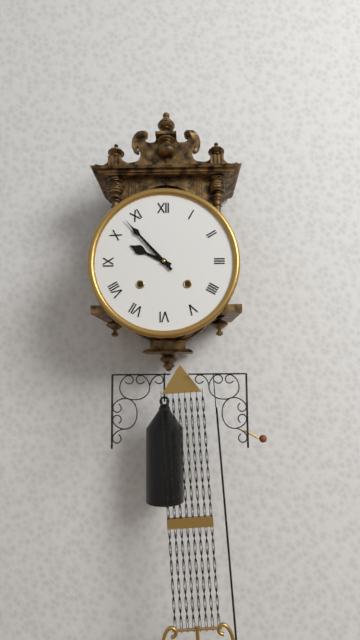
9:53
